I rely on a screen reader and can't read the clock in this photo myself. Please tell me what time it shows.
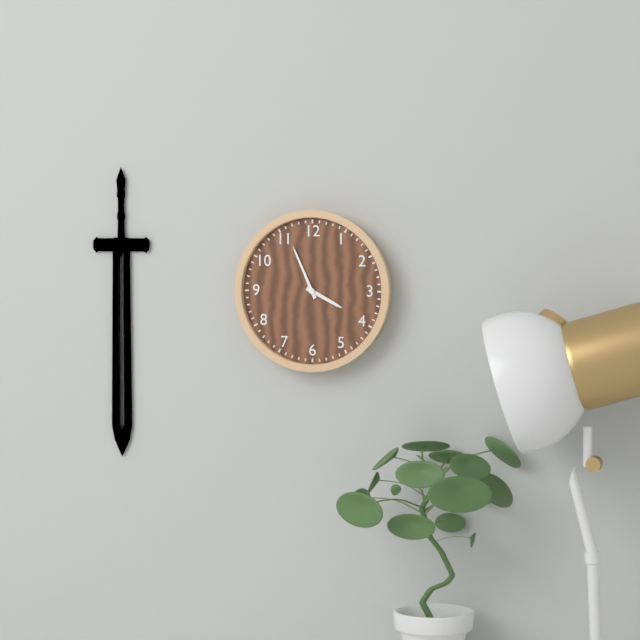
3:56
